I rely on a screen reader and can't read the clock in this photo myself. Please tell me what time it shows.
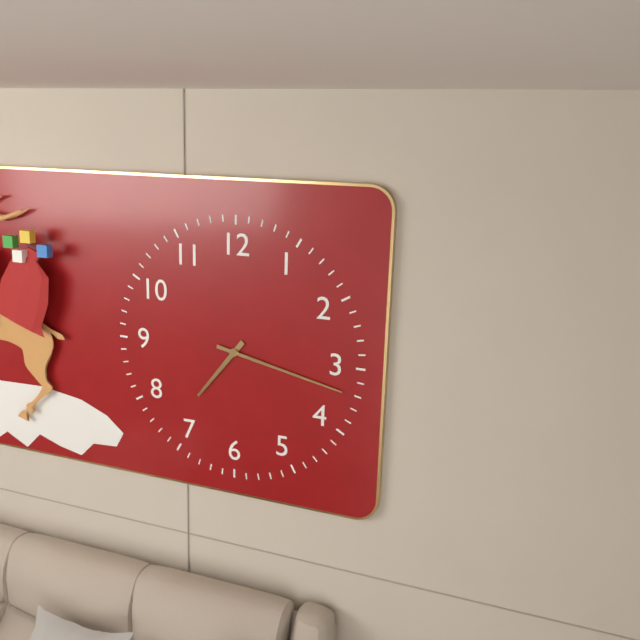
7:17
